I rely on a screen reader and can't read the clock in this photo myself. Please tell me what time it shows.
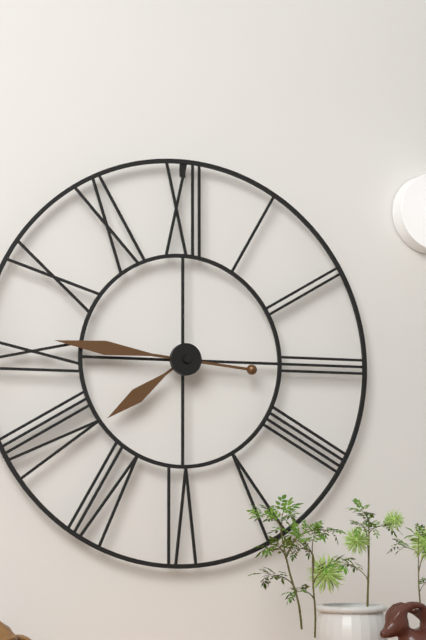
7:46
